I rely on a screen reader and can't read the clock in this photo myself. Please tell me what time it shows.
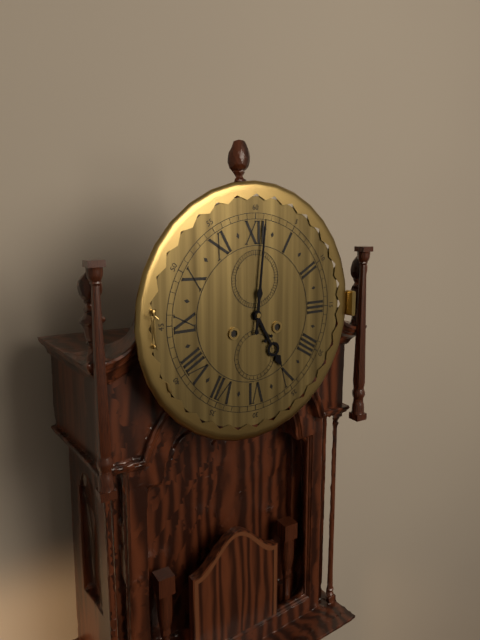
5:01
